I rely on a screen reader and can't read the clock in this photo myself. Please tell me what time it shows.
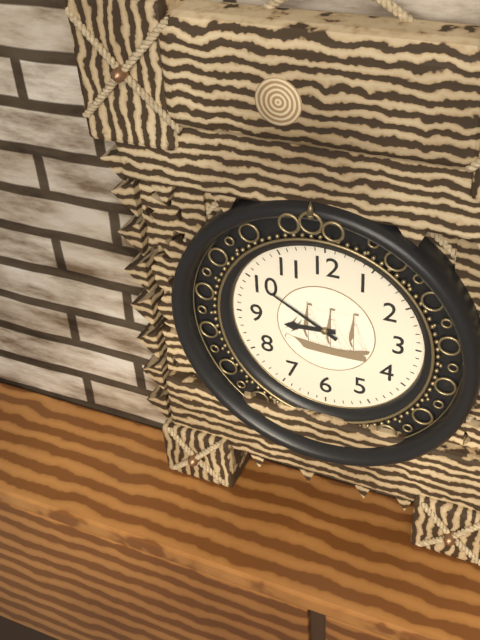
8:50
